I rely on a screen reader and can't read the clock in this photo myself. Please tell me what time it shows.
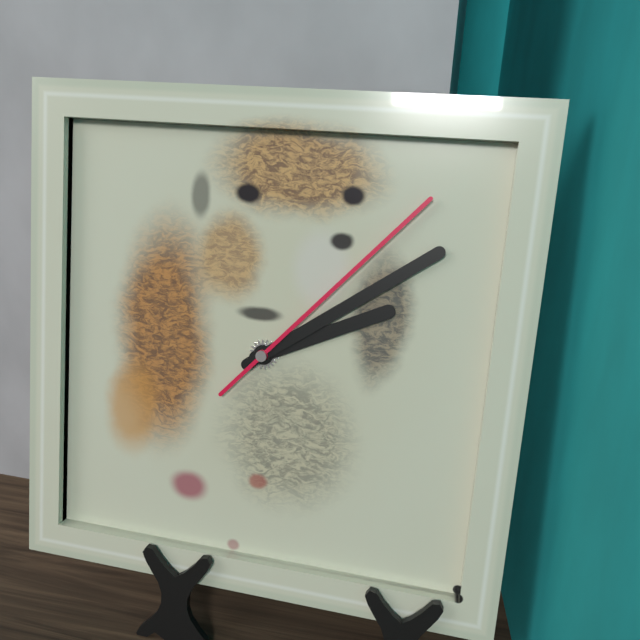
2:09:07
